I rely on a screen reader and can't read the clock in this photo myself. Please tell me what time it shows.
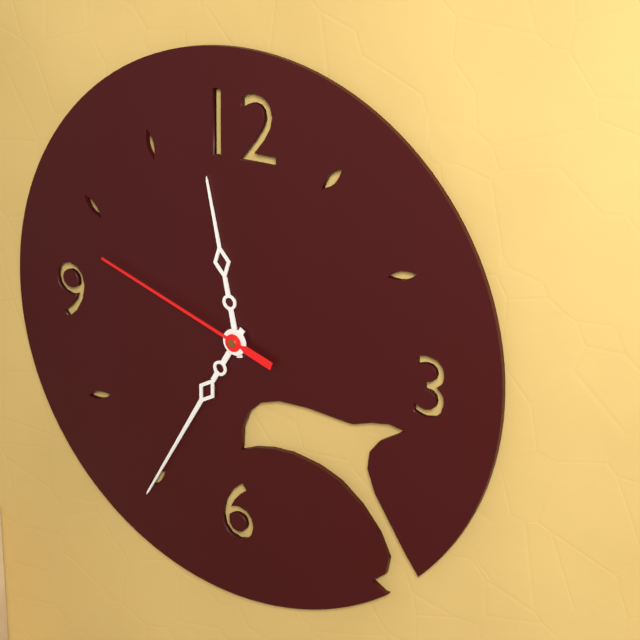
11:35:48
